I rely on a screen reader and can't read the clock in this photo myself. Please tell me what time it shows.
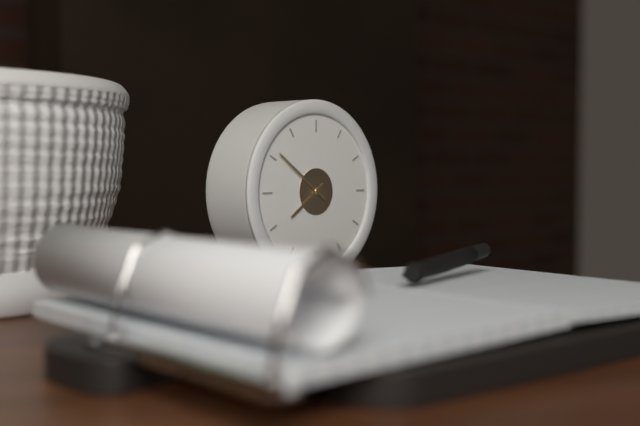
7:51
